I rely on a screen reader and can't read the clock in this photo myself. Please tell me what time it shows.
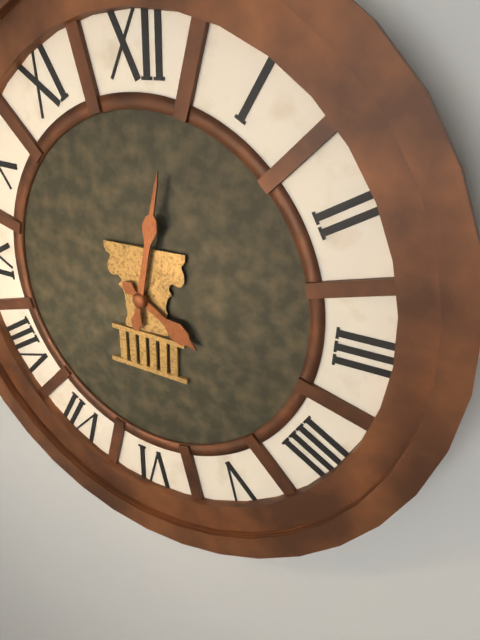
4:02
